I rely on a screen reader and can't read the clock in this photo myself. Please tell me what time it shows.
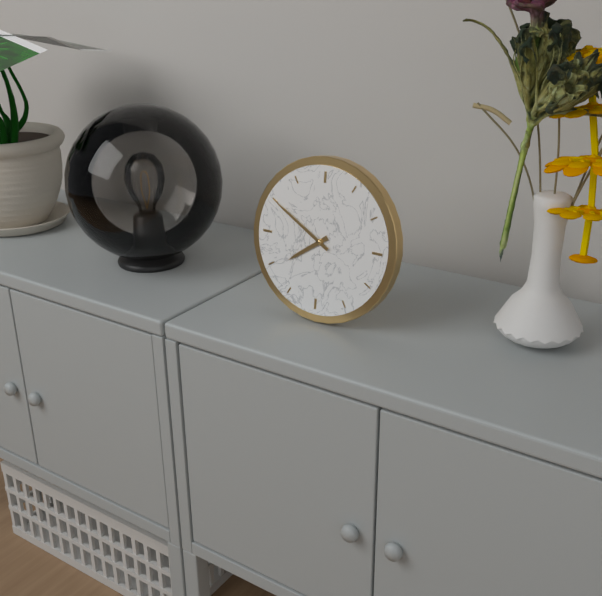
7:50
